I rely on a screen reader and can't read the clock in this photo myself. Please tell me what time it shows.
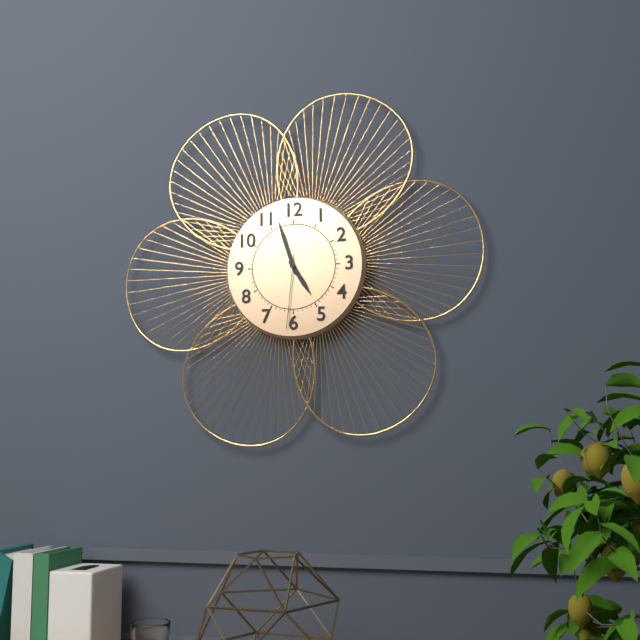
4:57:31
